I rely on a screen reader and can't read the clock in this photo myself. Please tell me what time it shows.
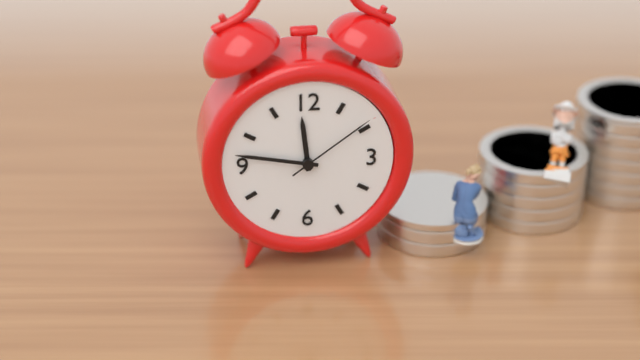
11:47:09
